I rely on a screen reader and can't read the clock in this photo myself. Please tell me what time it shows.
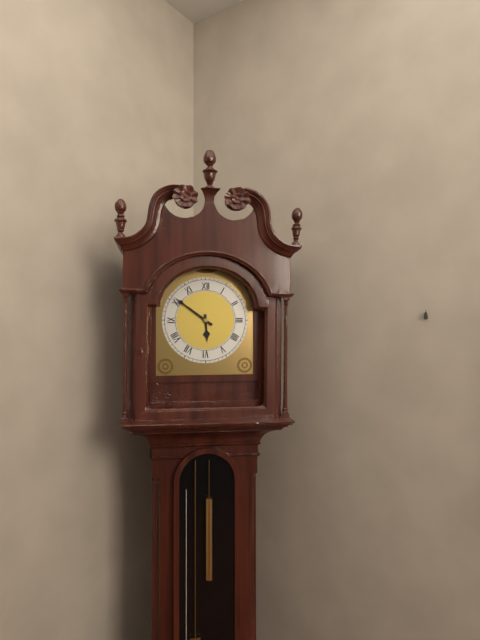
5:51
